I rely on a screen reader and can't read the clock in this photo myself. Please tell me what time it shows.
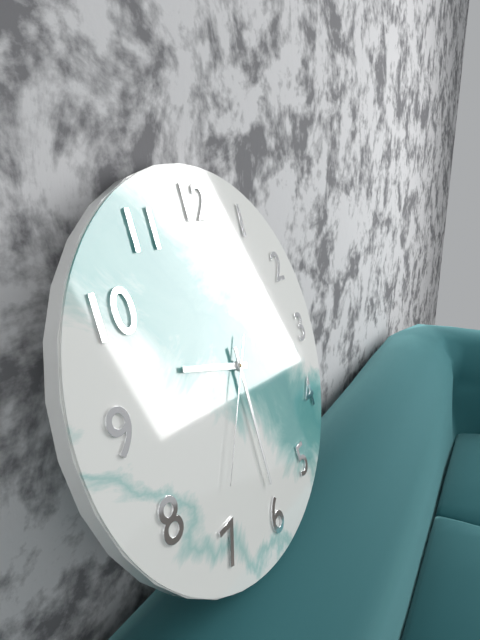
9:30:36
